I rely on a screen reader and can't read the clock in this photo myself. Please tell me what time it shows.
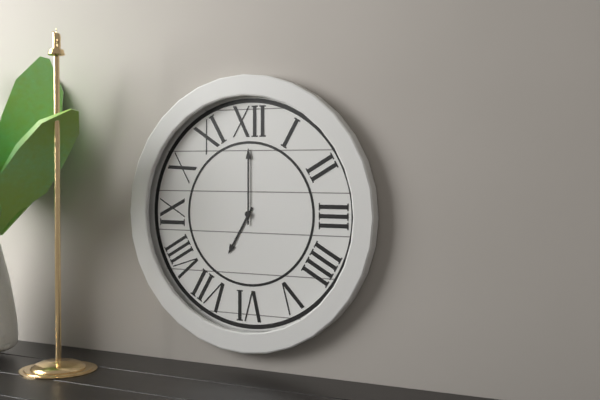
7:00
